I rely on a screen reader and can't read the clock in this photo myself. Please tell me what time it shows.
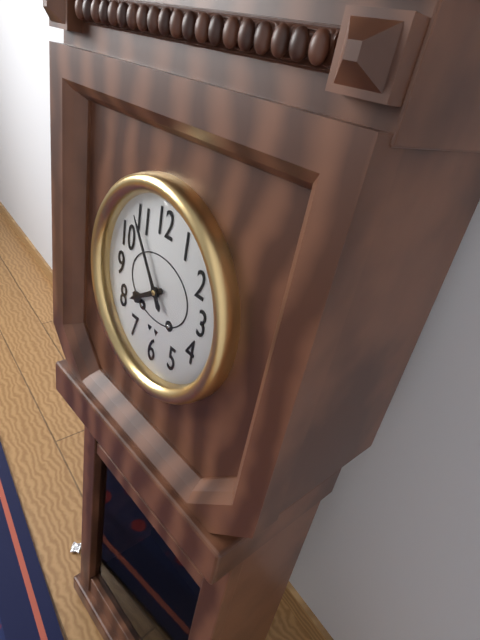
7:54
